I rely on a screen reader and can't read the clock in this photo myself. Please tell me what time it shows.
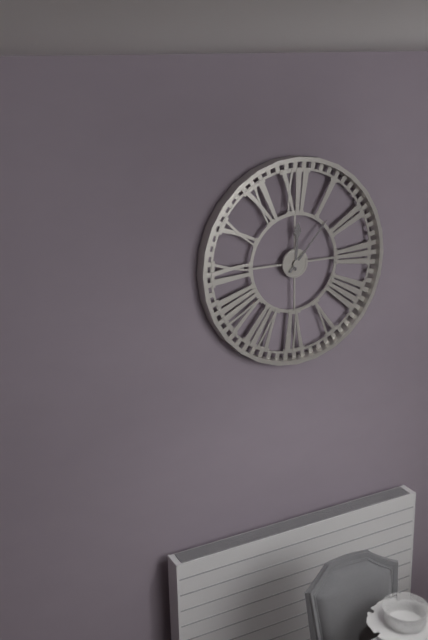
12:07
